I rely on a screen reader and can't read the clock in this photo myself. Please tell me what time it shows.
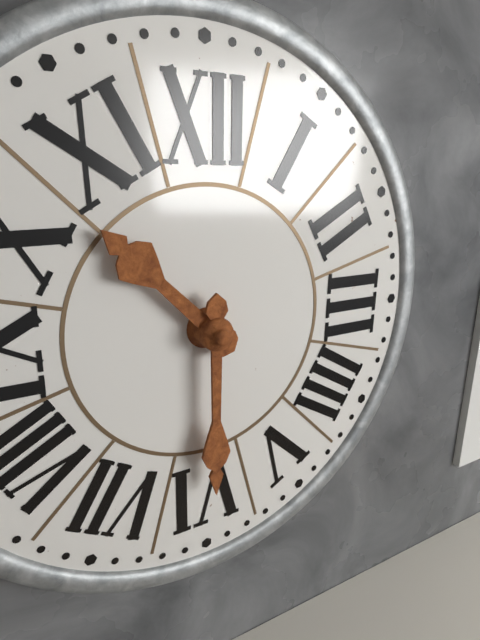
10:30
